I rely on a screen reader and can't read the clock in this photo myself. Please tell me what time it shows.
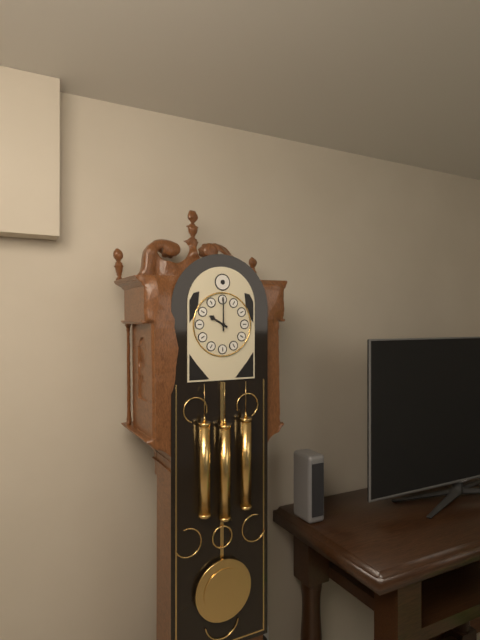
10:00
